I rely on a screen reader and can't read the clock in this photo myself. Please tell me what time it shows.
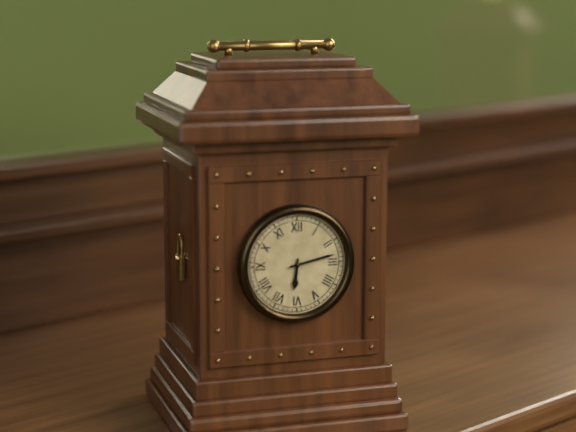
6:13
